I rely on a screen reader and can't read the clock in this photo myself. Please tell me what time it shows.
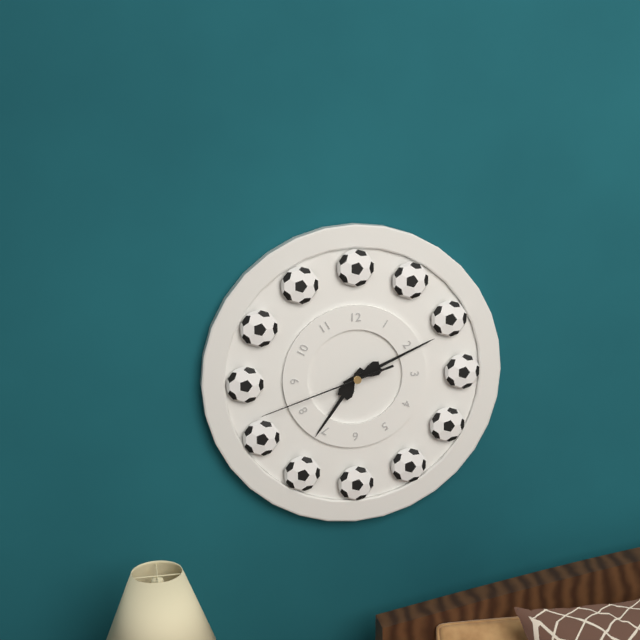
7:11:42
